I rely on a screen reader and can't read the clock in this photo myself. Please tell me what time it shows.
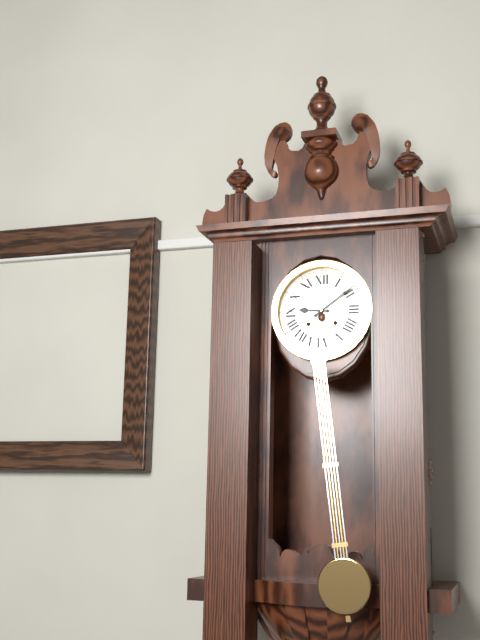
9:09
